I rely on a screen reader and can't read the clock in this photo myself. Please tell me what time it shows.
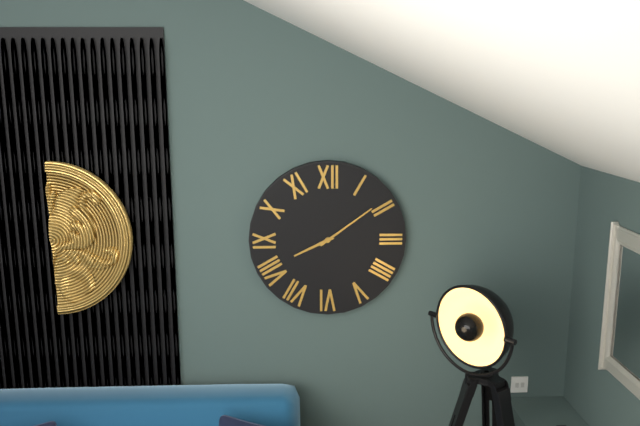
8:09
